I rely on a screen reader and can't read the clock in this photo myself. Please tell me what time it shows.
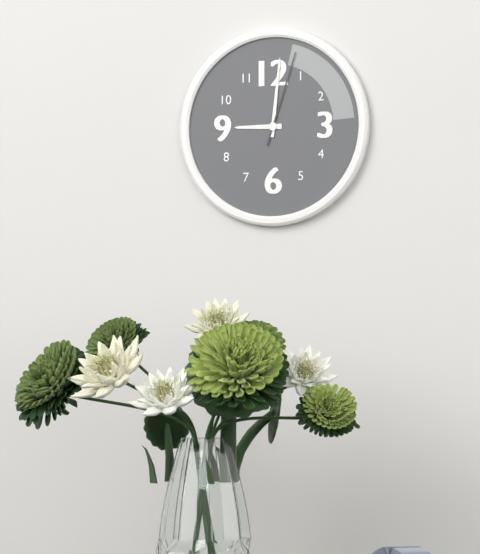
9:01:03
